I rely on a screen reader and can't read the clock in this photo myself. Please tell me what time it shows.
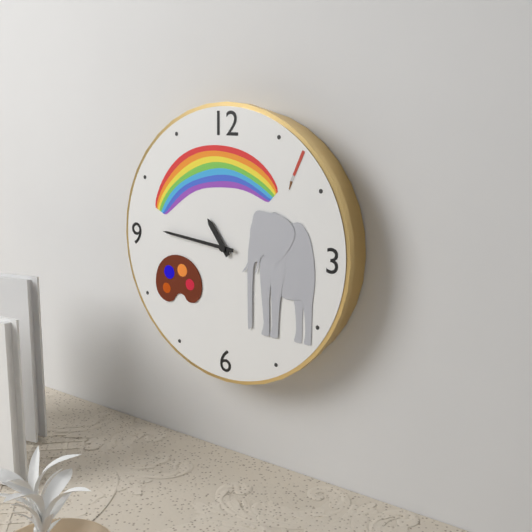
10:46
